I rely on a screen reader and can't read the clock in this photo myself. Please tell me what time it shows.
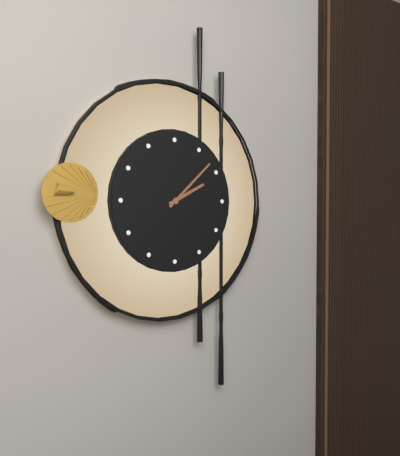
2:08
